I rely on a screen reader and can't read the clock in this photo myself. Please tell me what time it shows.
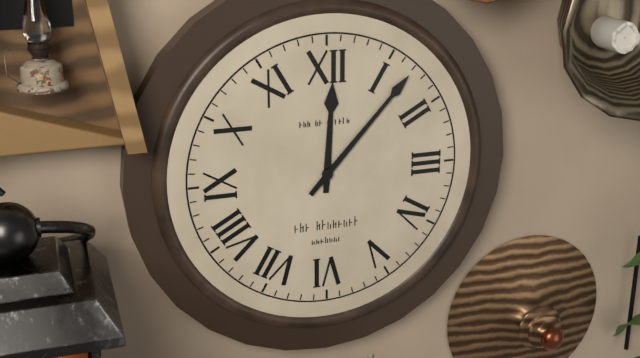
12:07
